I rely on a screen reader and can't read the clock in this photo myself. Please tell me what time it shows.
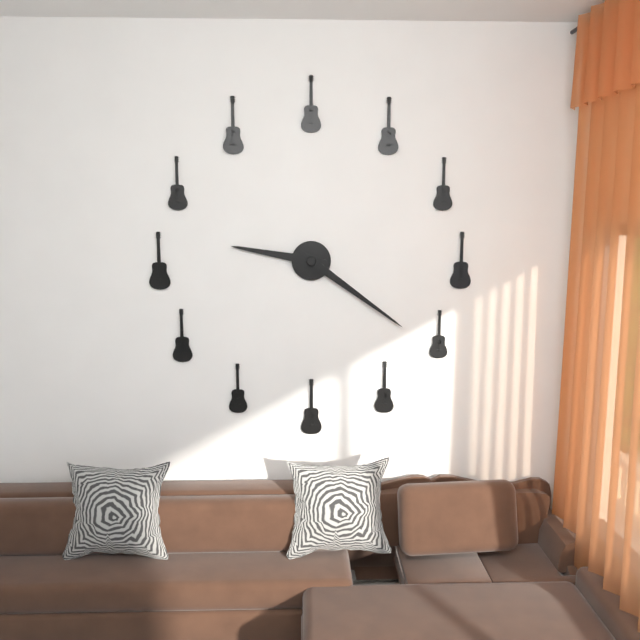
9:21
